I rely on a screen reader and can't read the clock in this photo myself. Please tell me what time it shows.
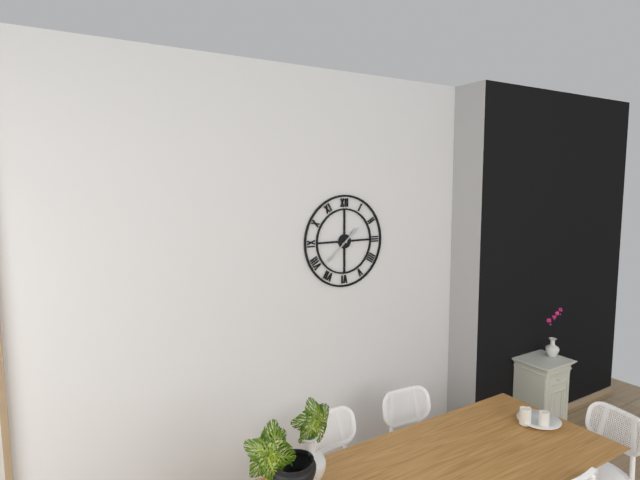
1:38
